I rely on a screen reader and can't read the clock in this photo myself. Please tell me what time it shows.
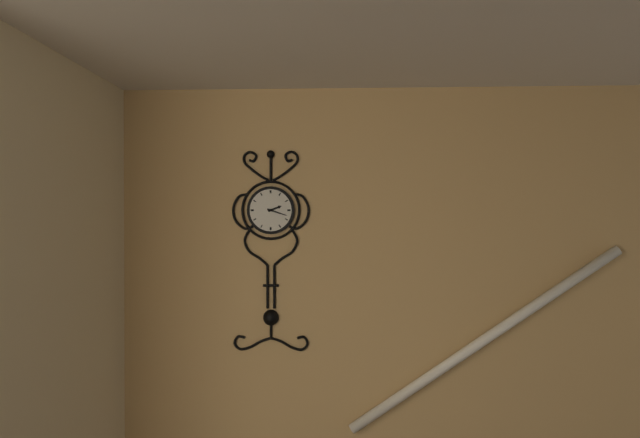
2:18
